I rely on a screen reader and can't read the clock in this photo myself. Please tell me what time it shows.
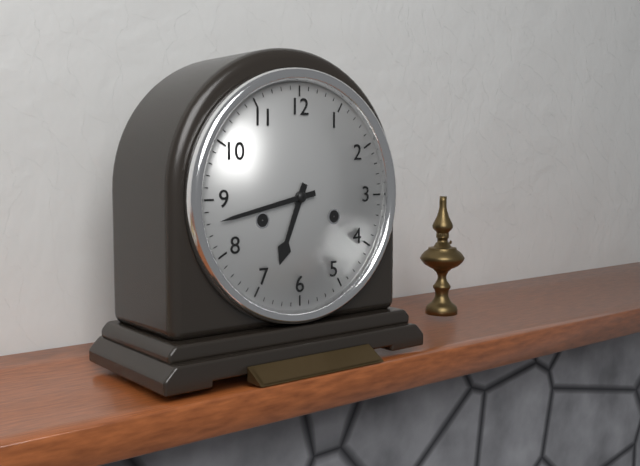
6:43
